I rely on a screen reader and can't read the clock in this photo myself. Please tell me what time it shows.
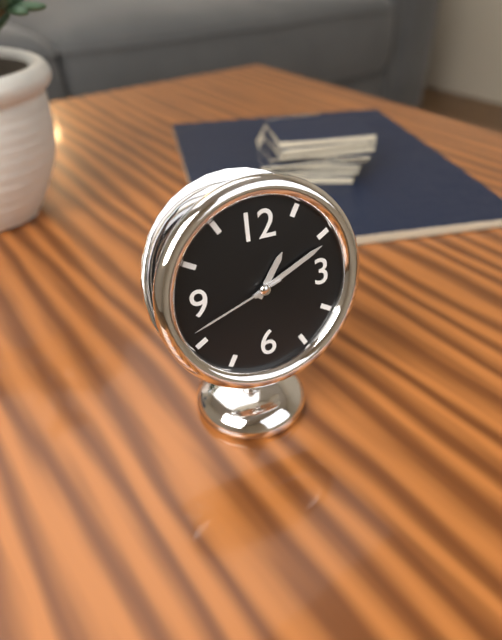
1:11:42
